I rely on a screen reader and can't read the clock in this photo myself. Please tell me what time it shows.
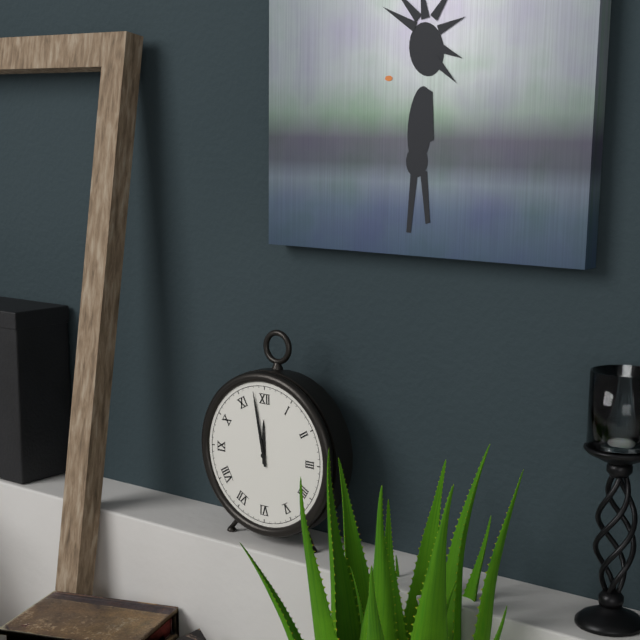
11:58
